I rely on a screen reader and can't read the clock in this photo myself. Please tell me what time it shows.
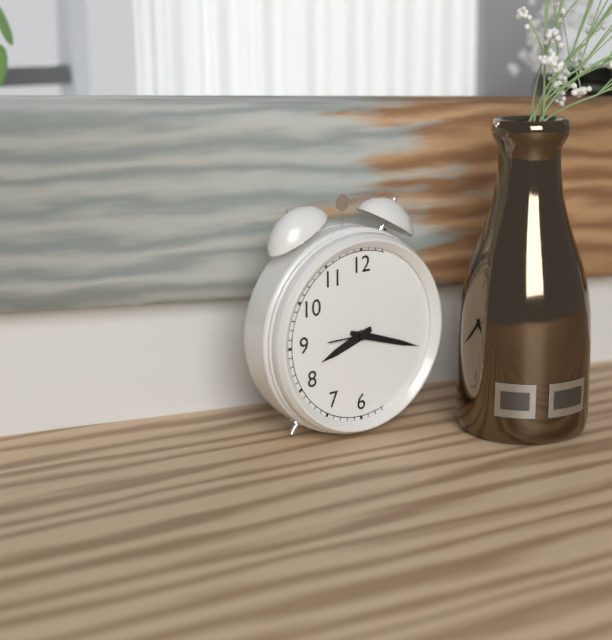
8:18
